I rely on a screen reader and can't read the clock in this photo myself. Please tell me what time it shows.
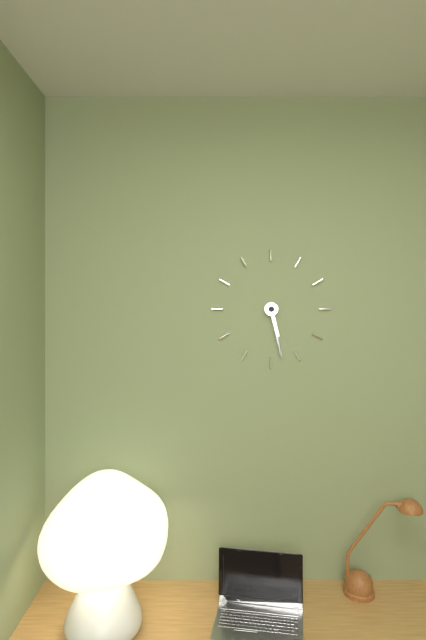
5:28
